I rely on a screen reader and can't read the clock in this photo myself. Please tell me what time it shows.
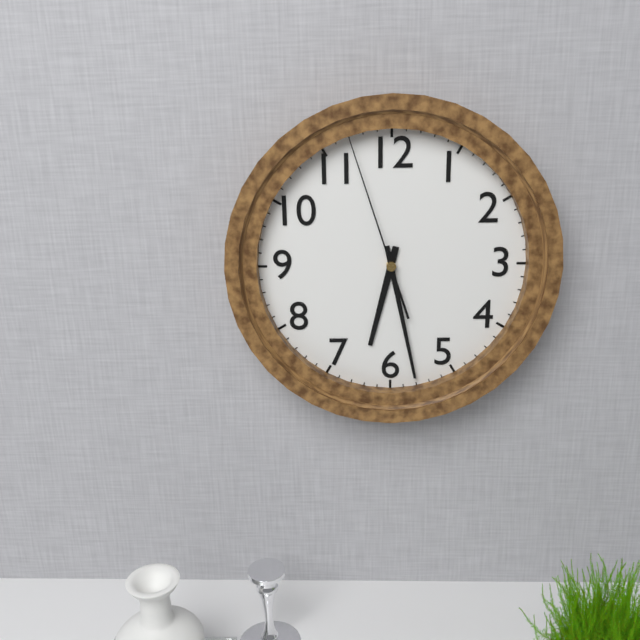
6:28:57
